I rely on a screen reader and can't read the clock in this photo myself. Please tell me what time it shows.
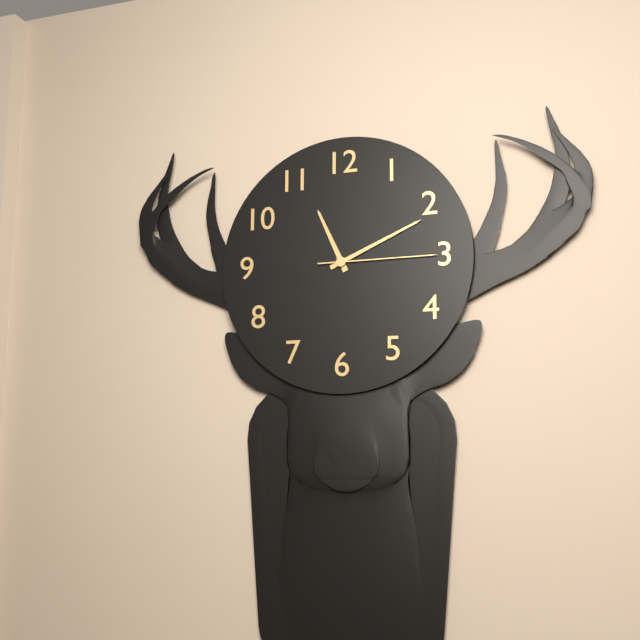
11:11:15
